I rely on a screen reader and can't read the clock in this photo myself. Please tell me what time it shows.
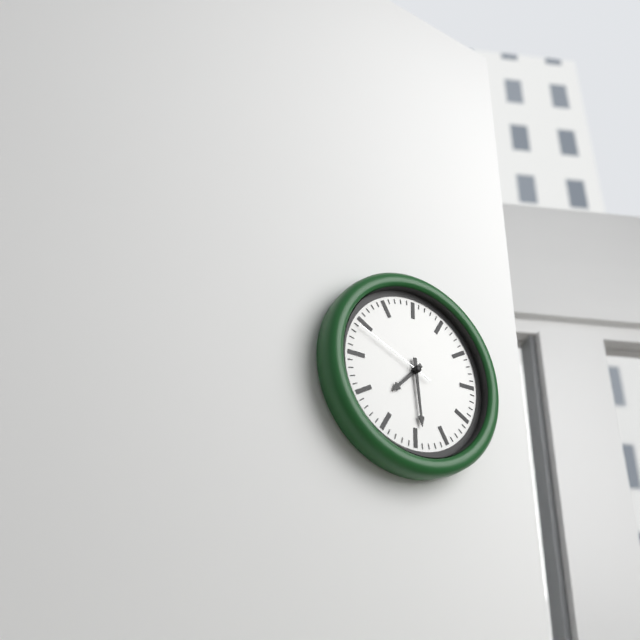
7:29:49
